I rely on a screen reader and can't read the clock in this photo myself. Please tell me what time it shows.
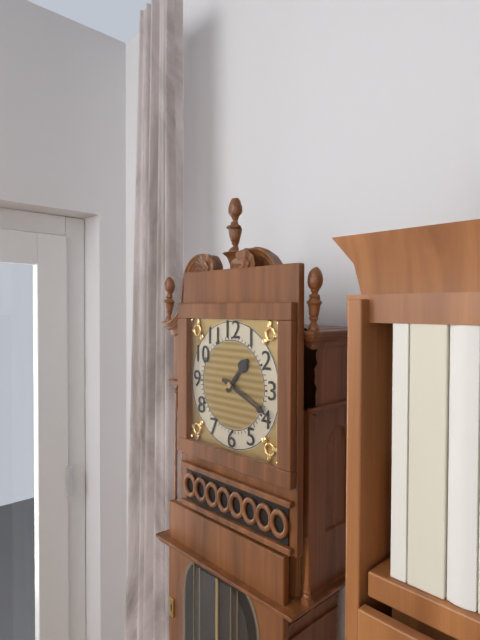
1:19
